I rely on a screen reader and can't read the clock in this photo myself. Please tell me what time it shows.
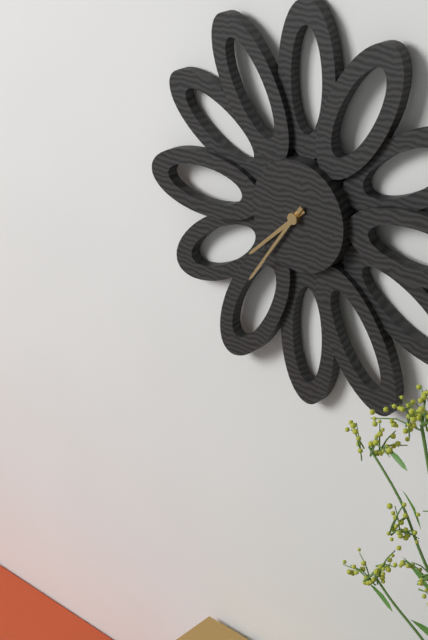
7:36
